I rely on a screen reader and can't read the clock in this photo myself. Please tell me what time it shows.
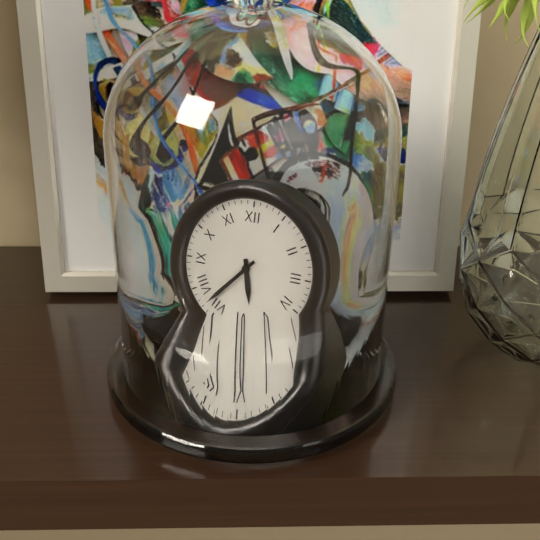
5:37
